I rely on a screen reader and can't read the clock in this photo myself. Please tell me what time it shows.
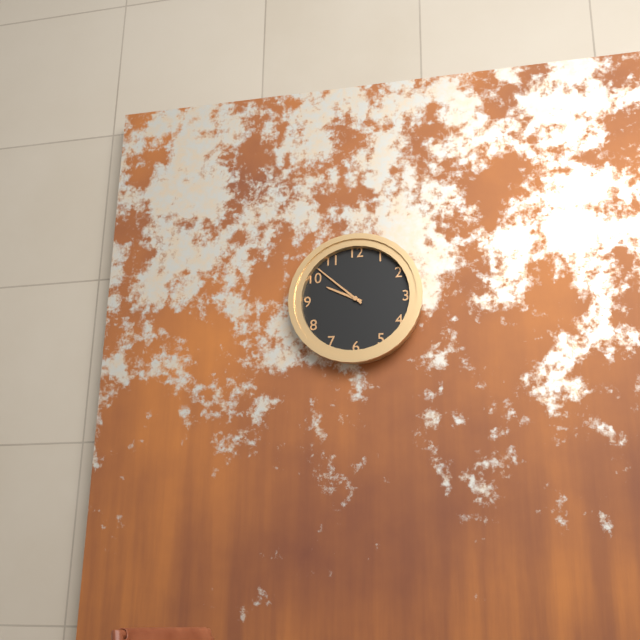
9:52
